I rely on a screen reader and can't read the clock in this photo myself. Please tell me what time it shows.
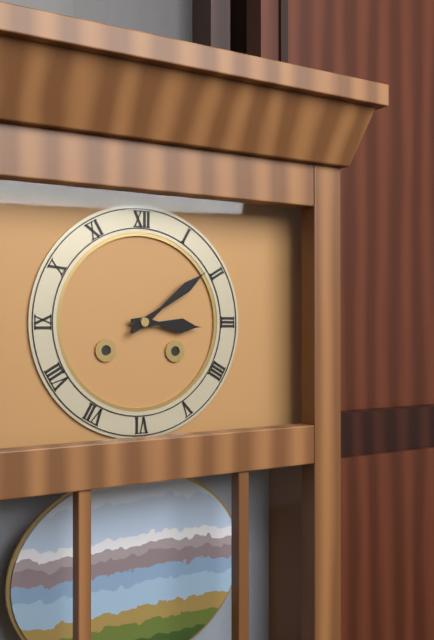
3:09
